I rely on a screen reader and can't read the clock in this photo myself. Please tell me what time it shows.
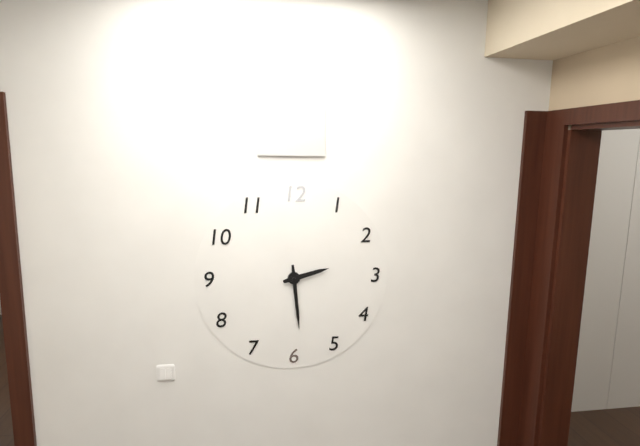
2:29
